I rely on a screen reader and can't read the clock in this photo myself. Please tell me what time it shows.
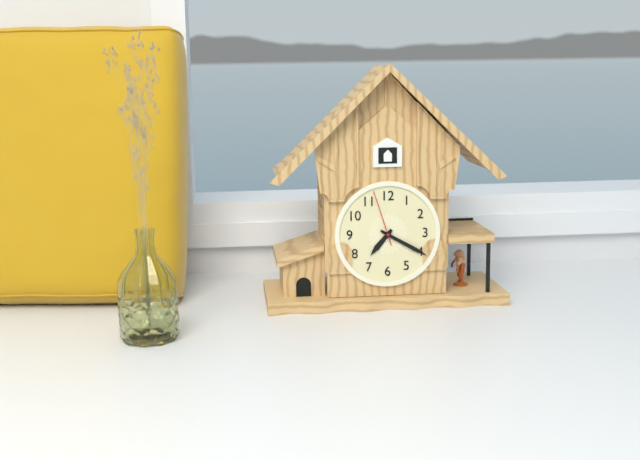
7:20:57
